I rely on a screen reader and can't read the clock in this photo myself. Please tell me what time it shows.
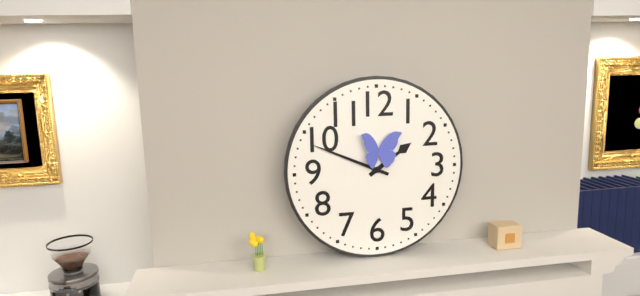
1:49
